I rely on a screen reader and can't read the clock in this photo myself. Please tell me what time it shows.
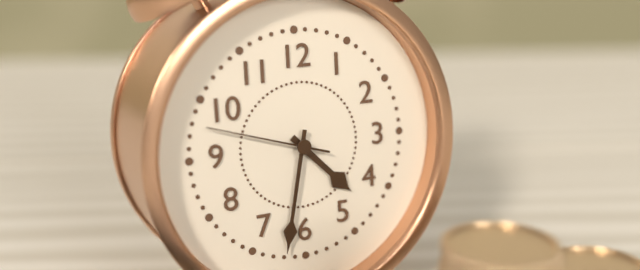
4:32:48
